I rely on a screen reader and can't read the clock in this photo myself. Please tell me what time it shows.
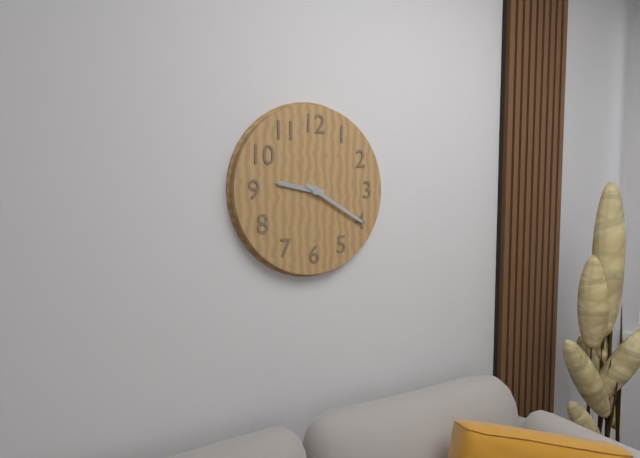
9:20
